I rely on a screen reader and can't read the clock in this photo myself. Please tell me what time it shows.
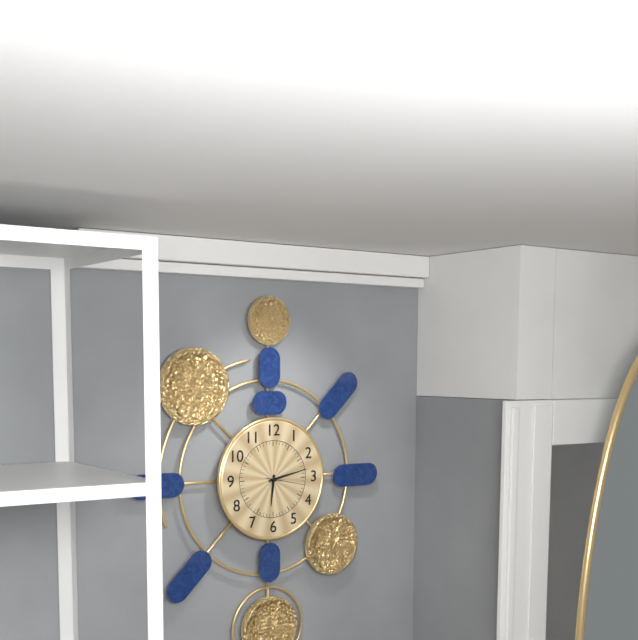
6:13
